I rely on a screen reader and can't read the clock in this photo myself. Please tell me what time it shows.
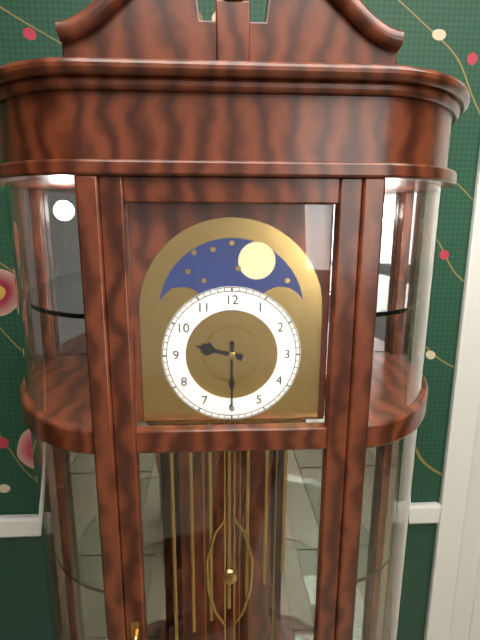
9:30
